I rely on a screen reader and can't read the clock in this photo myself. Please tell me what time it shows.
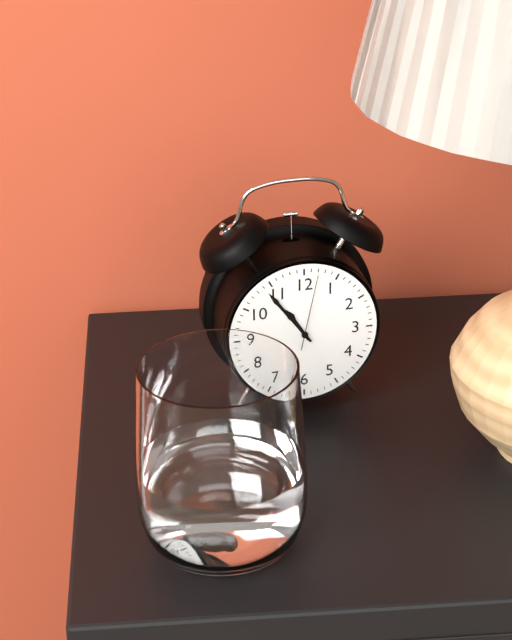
10:54:02
